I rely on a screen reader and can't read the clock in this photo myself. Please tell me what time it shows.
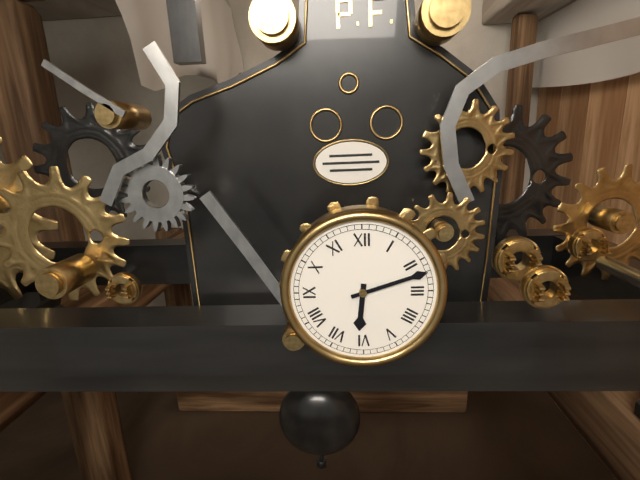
6:12
